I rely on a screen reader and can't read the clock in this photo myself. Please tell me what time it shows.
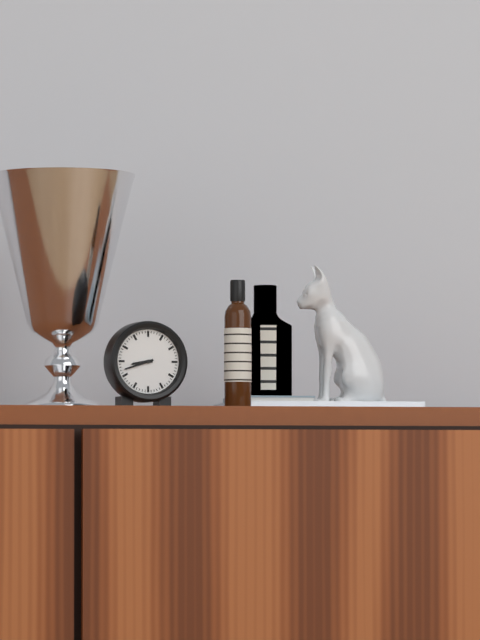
8:42
